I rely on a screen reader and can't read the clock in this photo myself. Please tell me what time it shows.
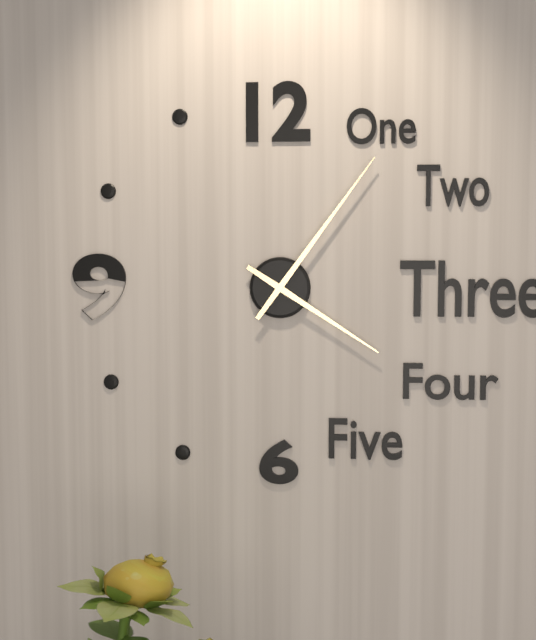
4:06
